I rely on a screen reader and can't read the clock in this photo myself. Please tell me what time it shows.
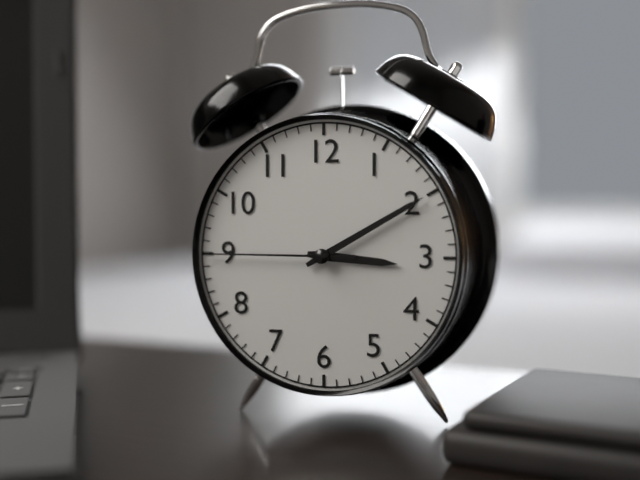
3:10:45
